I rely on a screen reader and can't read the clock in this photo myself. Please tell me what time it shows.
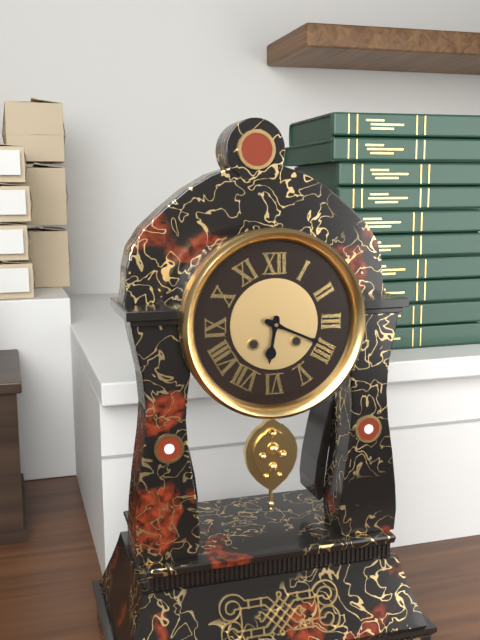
6:19
